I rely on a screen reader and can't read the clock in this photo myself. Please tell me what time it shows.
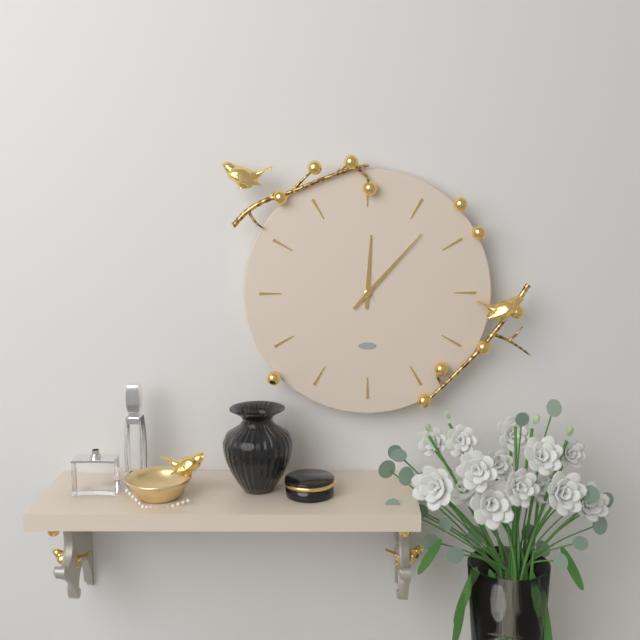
12:07
